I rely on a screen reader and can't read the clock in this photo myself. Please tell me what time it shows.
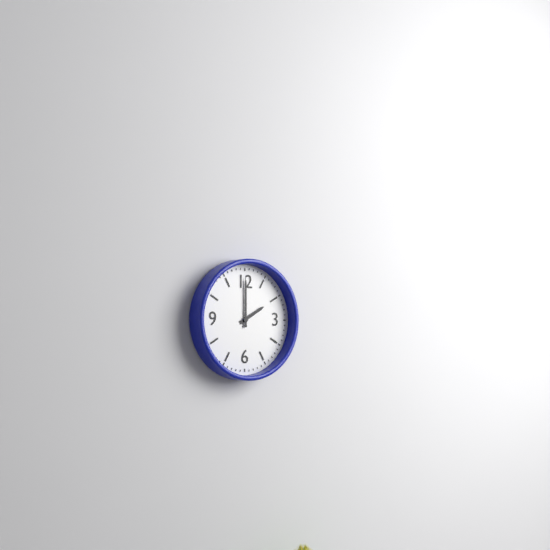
2:00
